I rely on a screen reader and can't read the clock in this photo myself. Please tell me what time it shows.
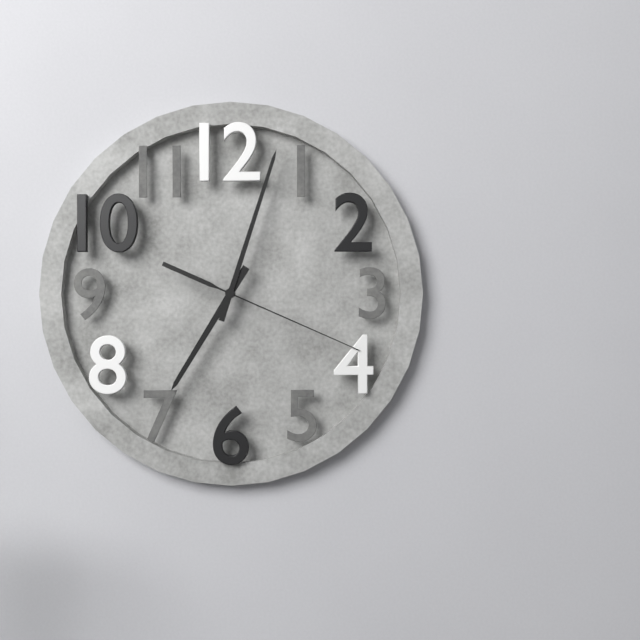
7:03:19
